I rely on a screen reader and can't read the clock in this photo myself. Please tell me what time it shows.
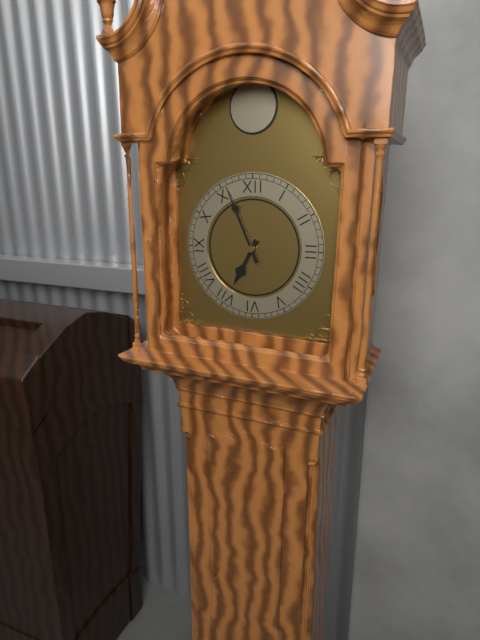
6:56
